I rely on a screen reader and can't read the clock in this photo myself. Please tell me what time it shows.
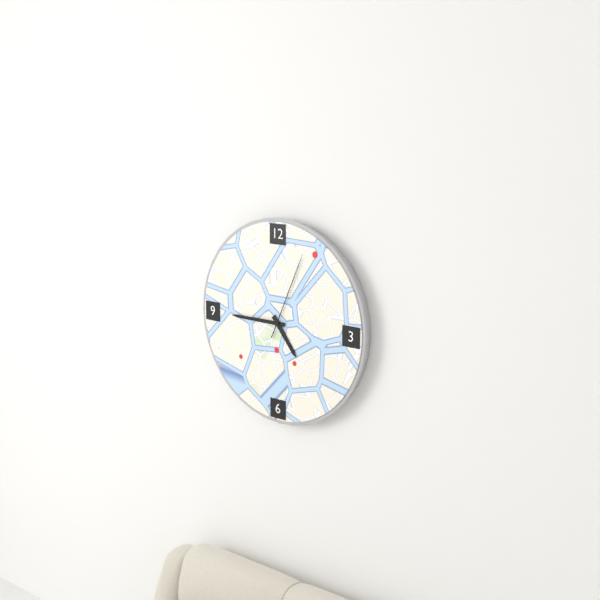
4:45:04
